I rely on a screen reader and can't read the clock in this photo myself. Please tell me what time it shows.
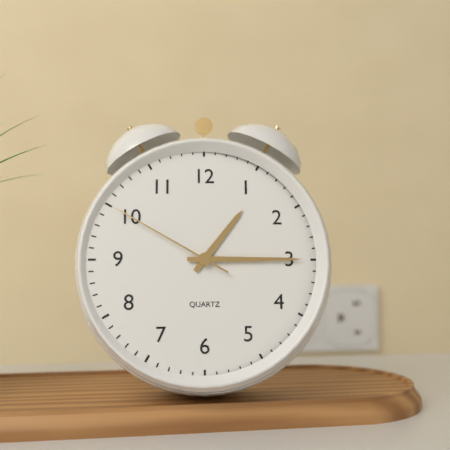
1:15:50
